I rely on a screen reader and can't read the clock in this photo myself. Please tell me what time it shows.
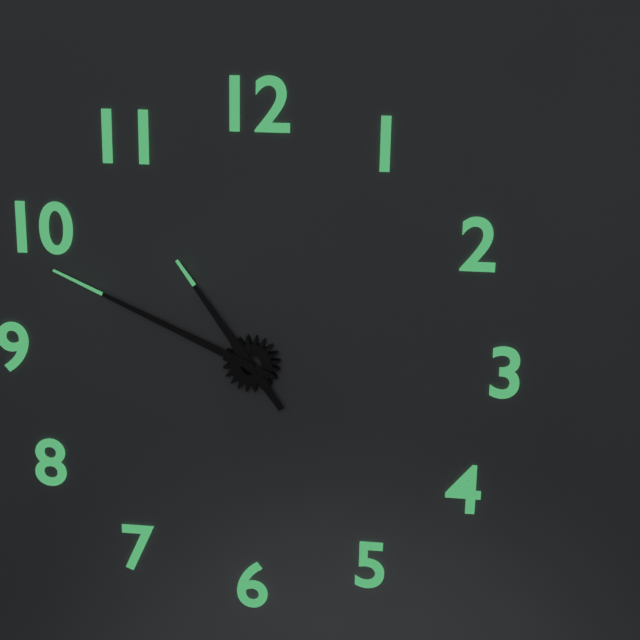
10:49
